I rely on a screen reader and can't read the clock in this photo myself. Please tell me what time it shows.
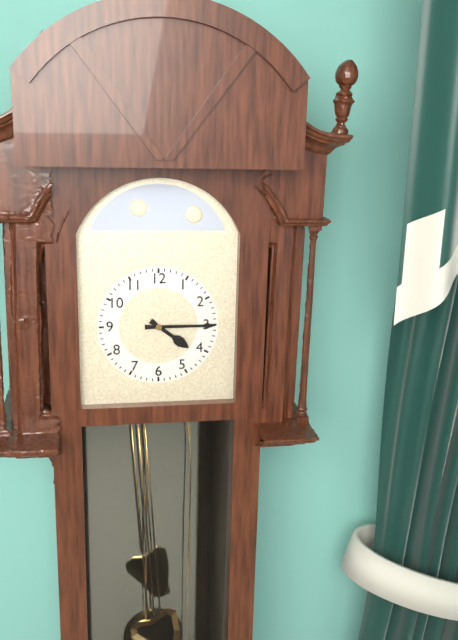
4:15
